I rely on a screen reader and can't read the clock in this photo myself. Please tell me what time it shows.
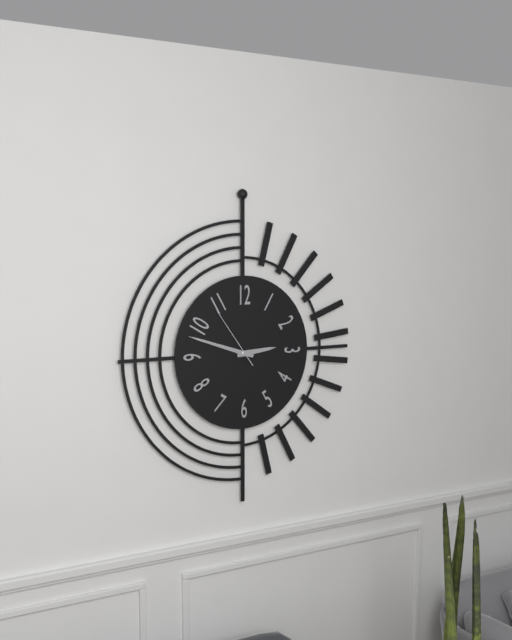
2:48:54
